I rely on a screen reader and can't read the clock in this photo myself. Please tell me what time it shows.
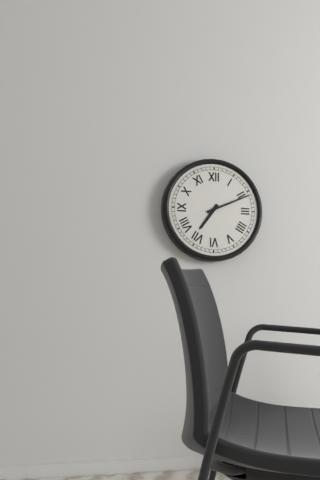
7:11
